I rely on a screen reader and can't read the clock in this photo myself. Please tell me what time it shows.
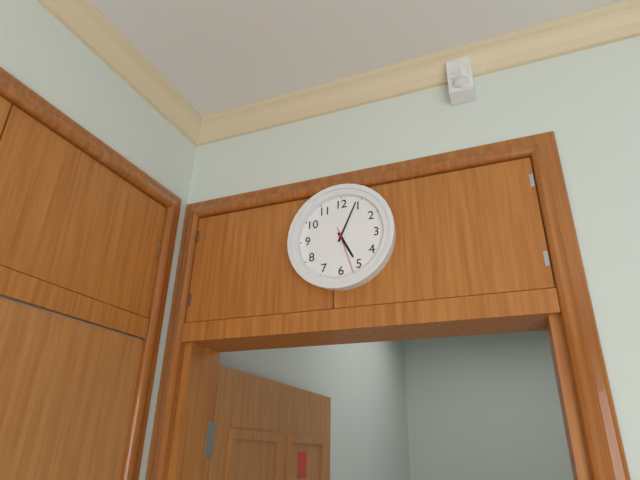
5:04
